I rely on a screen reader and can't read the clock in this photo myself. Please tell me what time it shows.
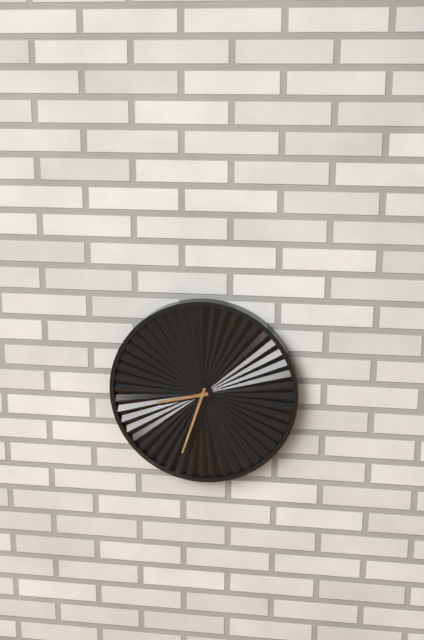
8:33
